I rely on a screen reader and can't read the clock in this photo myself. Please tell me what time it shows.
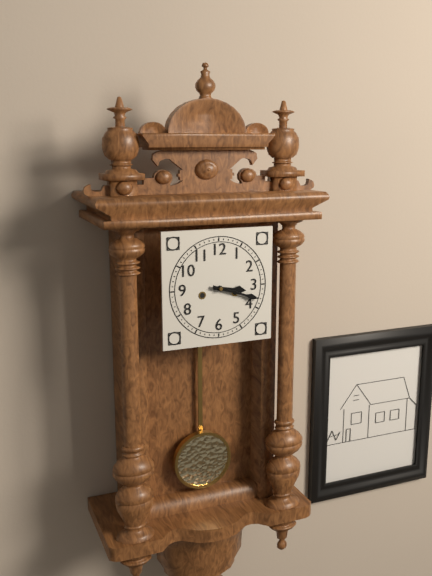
3:18
